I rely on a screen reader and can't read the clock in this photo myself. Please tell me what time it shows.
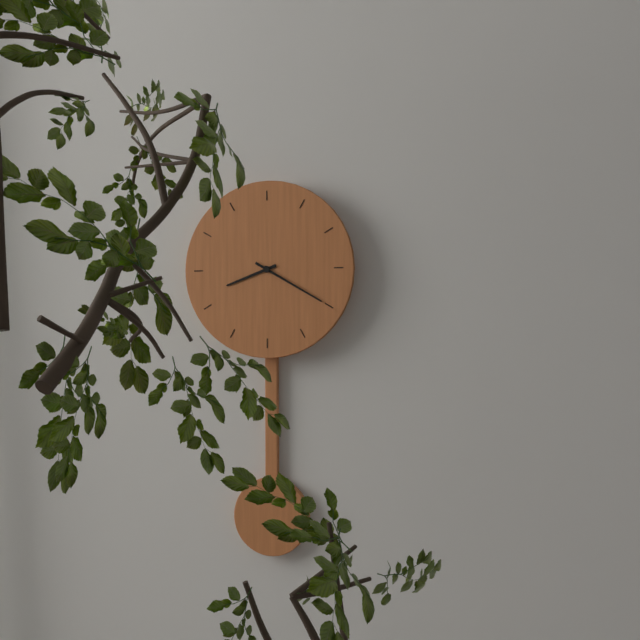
8:20
